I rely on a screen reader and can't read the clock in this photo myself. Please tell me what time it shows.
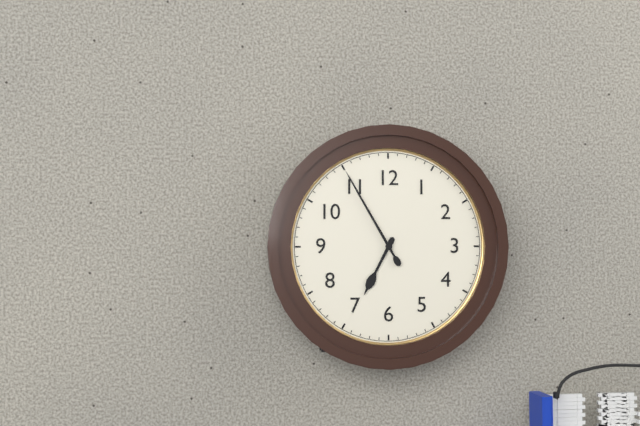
6:55
